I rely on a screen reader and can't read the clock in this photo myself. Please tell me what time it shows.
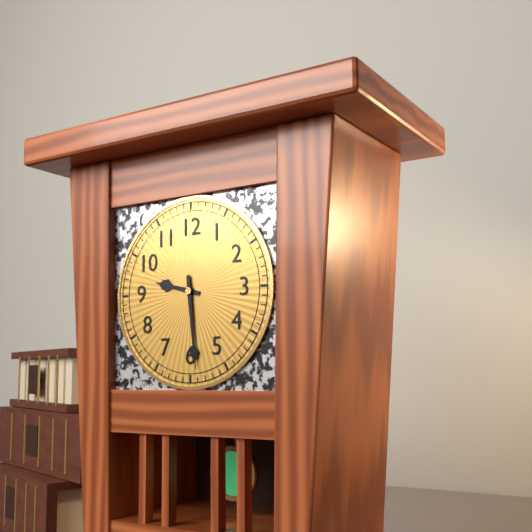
9:29
